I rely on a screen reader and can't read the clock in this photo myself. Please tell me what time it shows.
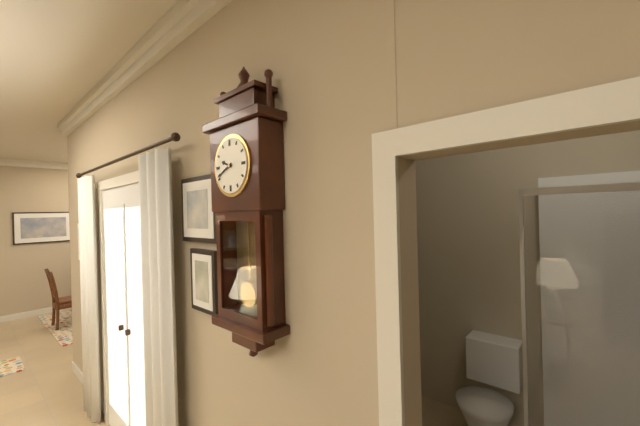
9:41
